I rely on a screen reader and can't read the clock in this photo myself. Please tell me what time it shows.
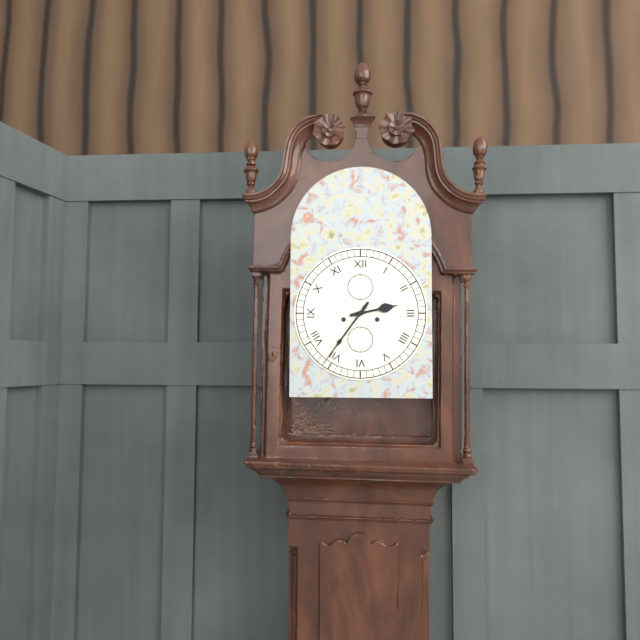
2:36
